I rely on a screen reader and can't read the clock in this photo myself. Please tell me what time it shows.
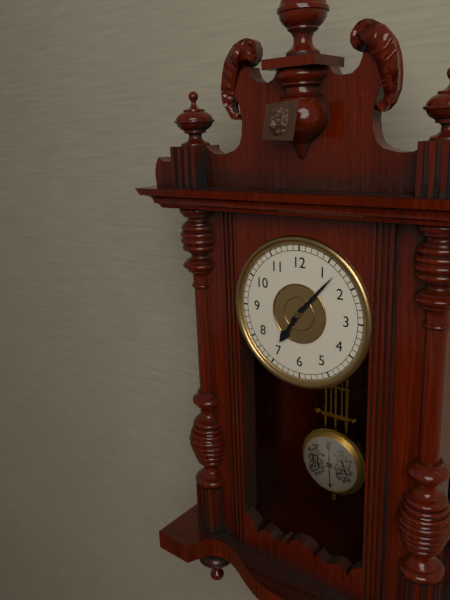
7:07
